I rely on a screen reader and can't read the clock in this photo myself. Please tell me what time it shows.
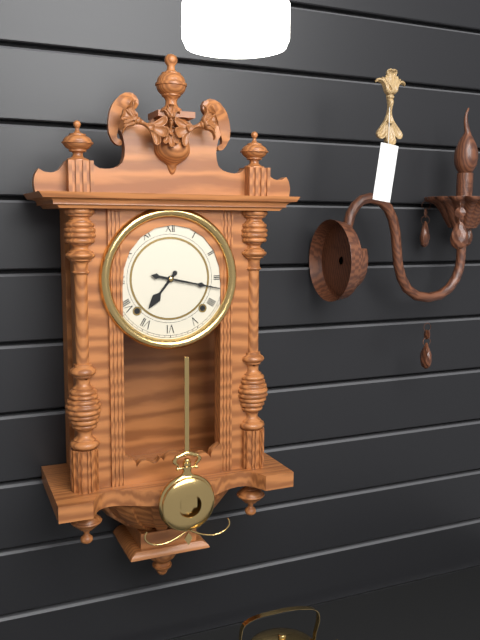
7:17
